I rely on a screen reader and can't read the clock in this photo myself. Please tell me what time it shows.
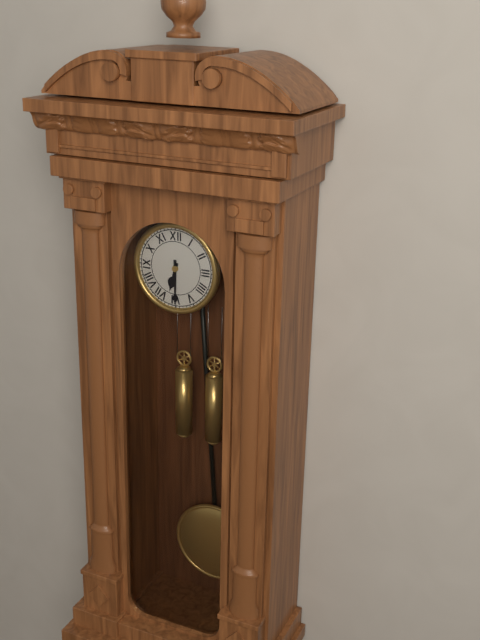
6:30
